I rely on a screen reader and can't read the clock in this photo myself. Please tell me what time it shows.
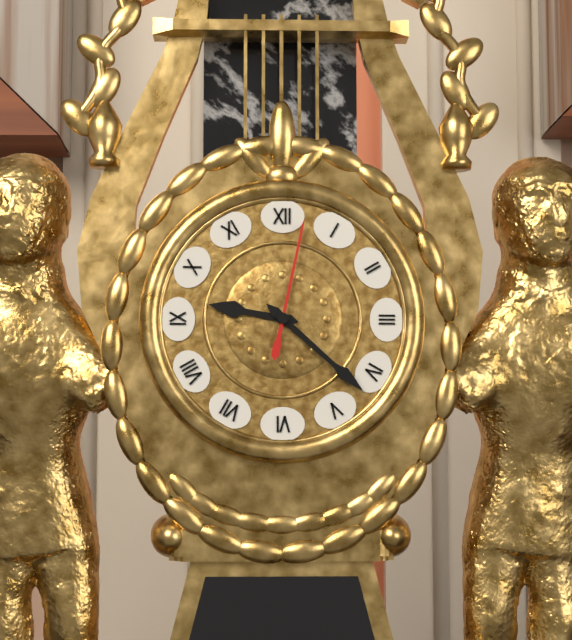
9:22:02
